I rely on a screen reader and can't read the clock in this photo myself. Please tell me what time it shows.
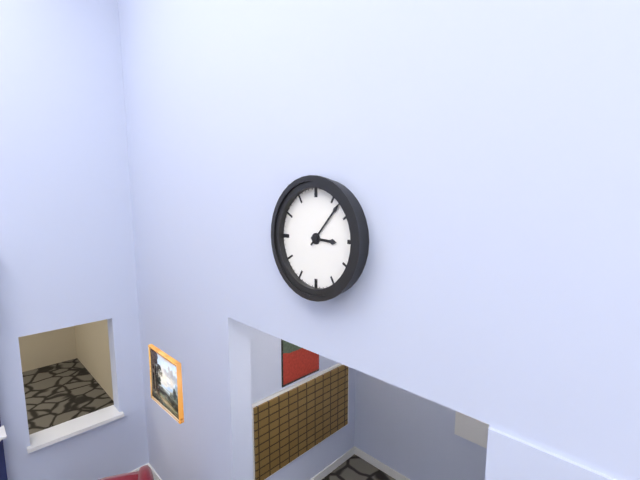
3:07
